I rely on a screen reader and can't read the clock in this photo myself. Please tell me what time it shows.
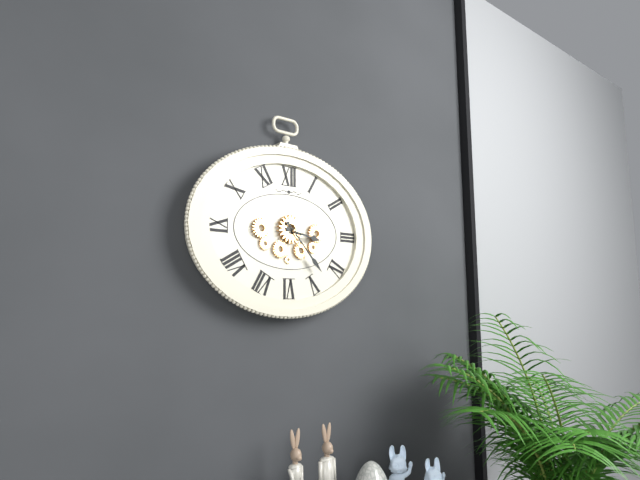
3:23
